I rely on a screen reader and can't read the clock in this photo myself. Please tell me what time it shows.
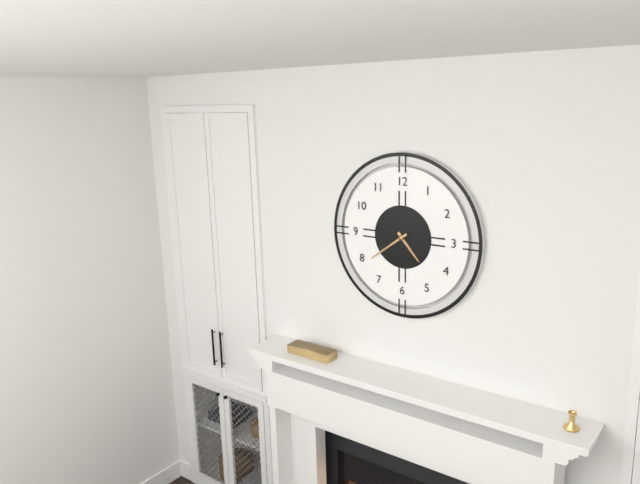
4:39
